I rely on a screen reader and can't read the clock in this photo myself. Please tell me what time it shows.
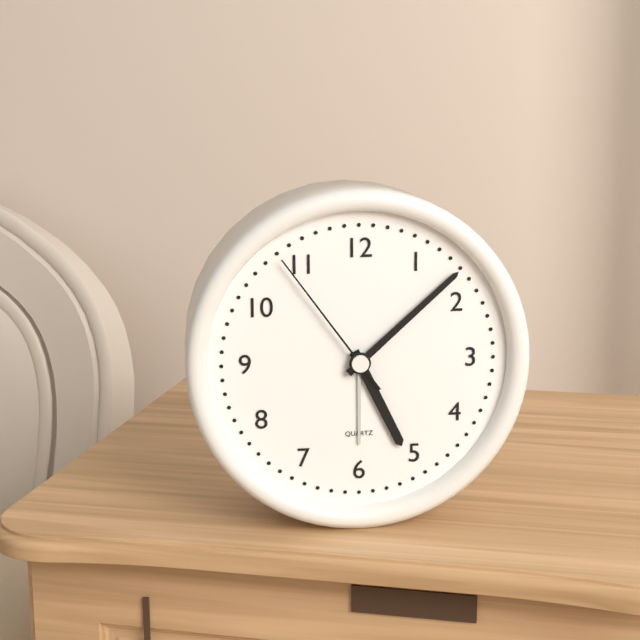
5:08:54
